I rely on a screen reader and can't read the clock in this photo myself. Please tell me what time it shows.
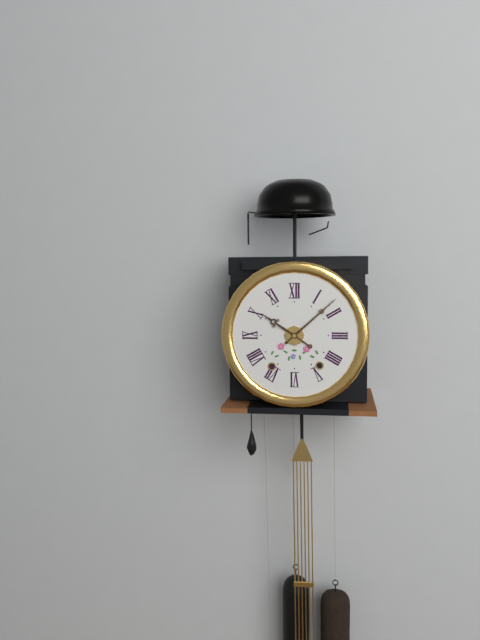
10:08
